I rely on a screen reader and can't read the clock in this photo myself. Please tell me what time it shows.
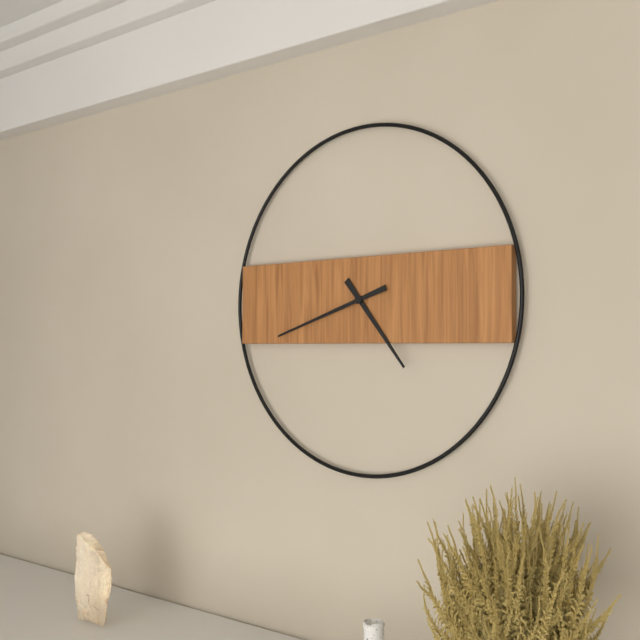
4:42
